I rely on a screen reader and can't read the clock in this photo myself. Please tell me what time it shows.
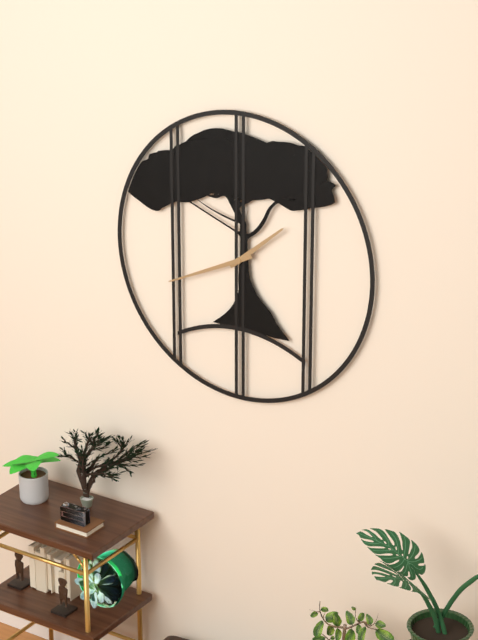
1:41
